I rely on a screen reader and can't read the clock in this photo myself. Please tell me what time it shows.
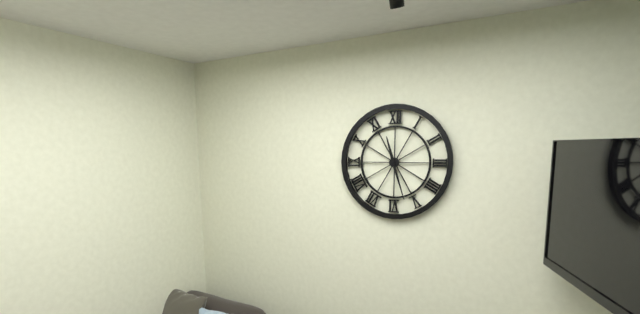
11:27
